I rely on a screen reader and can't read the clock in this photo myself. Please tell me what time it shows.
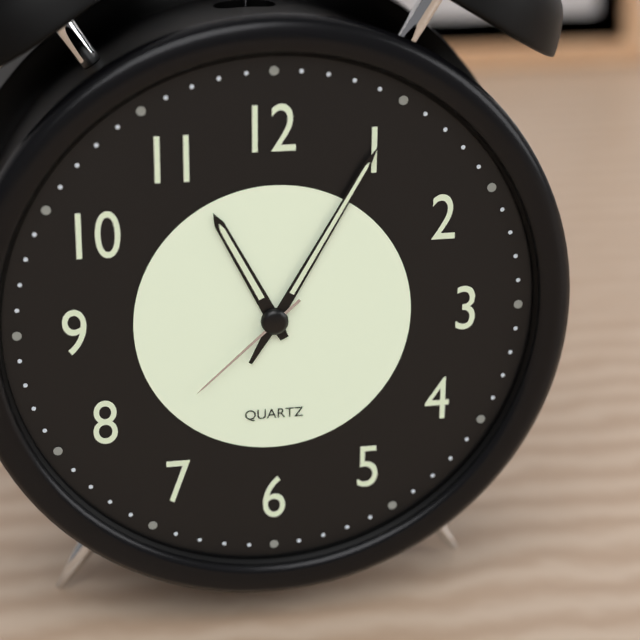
11:05:38
